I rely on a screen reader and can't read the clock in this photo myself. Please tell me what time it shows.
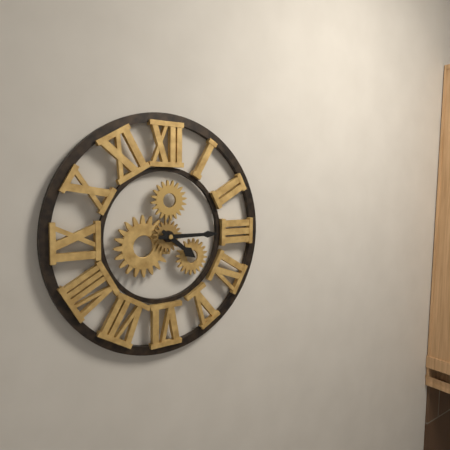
4:15
